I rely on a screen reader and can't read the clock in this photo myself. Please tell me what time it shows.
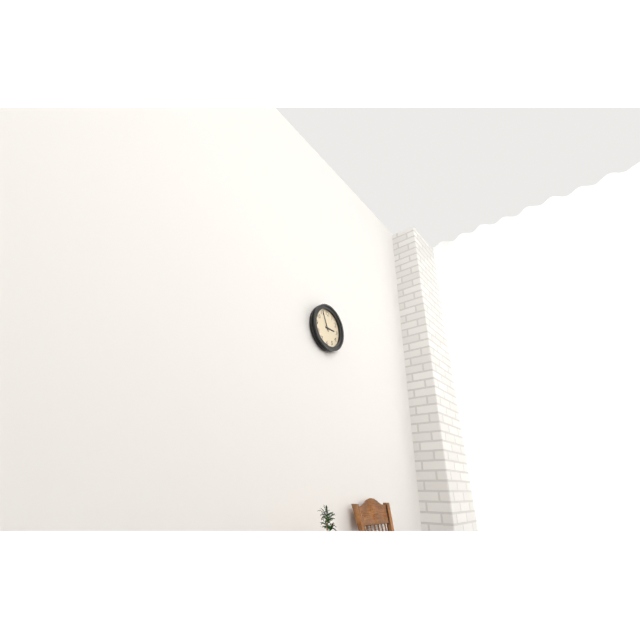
2:56
